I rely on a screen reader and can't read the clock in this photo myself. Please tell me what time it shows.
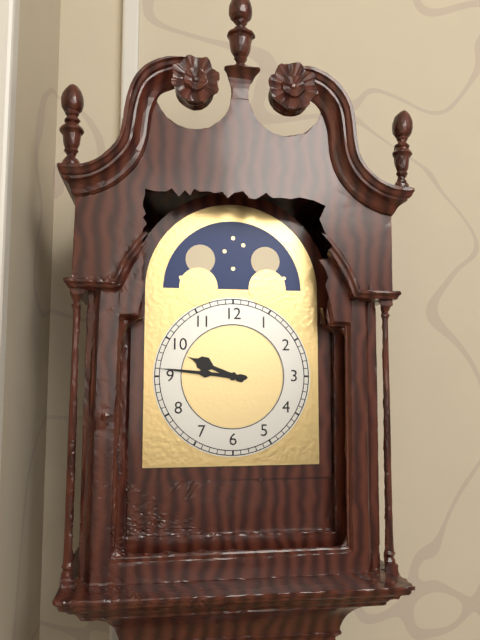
9:46
